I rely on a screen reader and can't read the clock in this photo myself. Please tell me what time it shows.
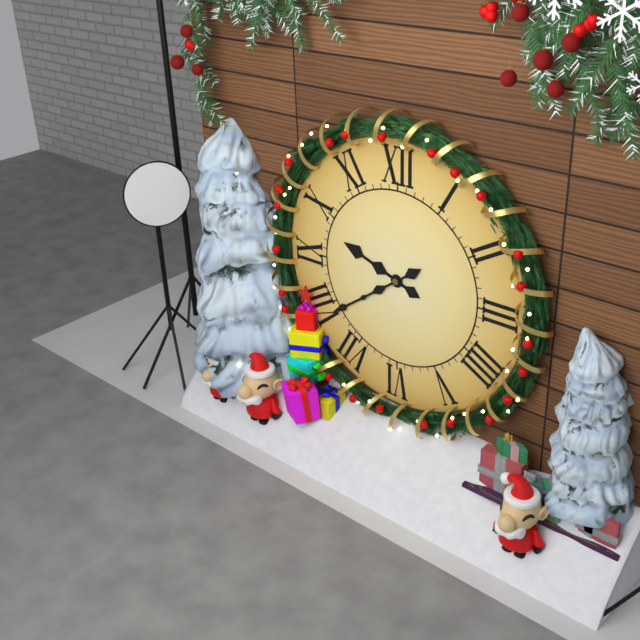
9:39
